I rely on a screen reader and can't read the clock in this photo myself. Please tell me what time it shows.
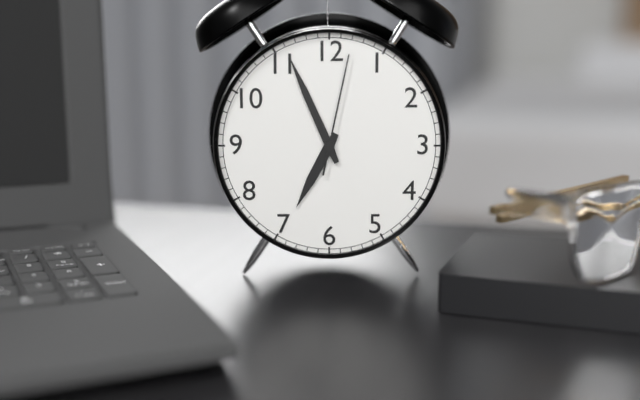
6:56:02
